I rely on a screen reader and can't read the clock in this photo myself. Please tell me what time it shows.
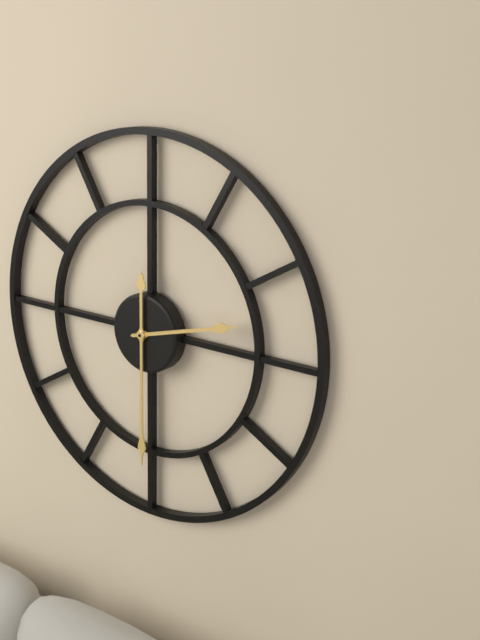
2:30
